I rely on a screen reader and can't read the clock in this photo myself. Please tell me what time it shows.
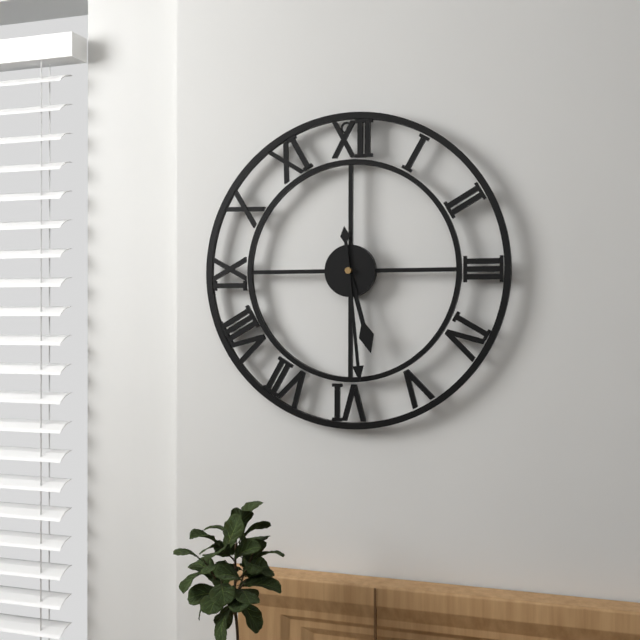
5:29
